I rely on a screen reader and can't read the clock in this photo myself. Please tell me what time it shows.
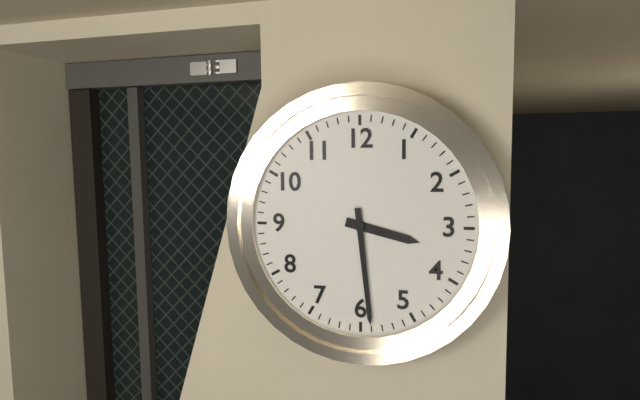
3:29
